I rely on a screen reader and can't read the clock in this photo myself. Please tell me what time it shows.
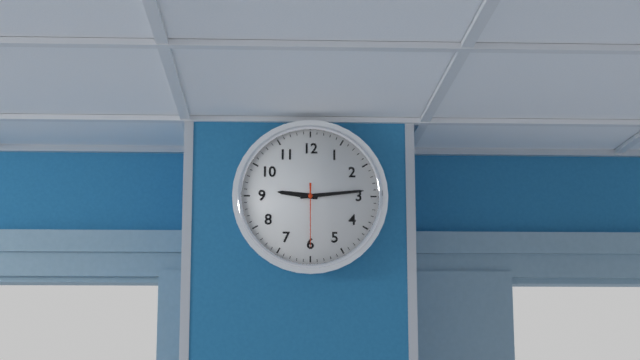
9:14:30
